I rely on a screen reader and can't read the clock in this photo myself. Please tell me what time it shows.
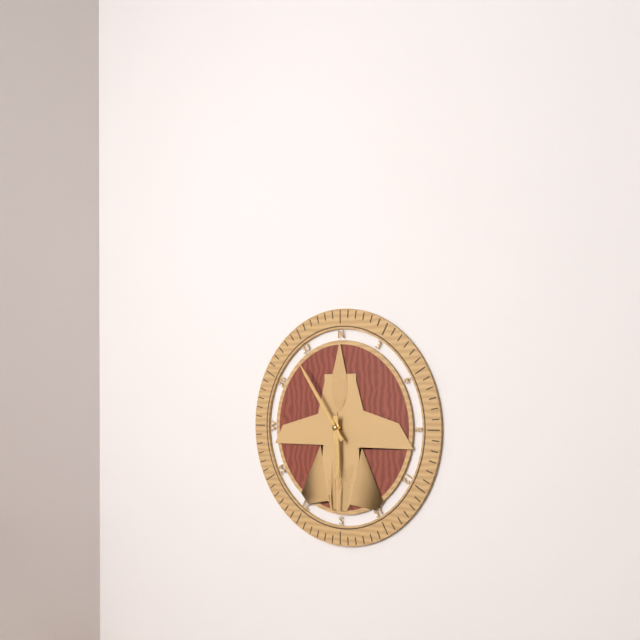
5:54
